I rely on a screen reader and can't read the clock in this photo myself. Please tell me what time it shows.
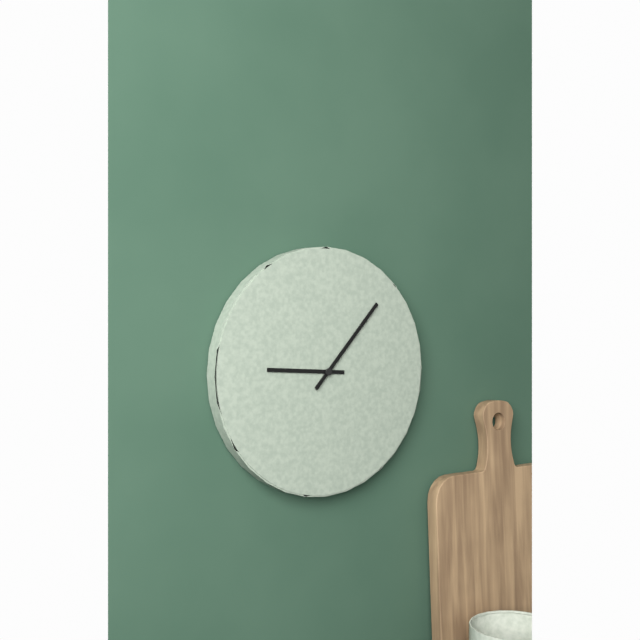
9:07
